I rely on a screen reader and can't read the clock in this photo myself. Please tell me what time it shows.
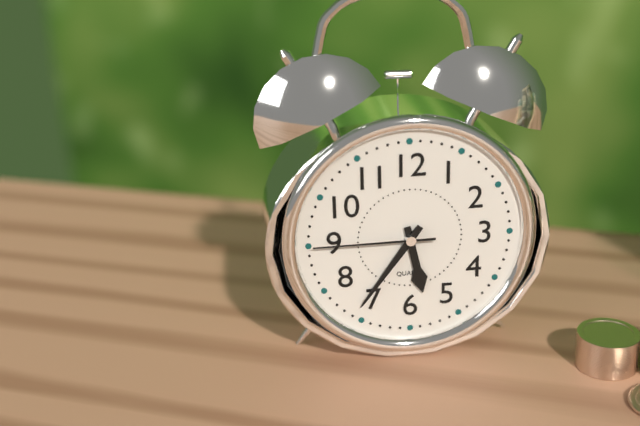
5:36:45
